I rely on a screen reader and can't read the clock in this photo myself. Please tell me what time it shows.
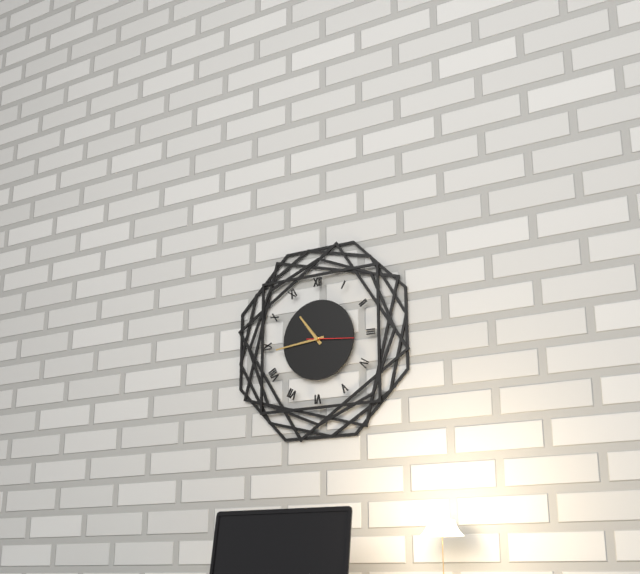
10:44
